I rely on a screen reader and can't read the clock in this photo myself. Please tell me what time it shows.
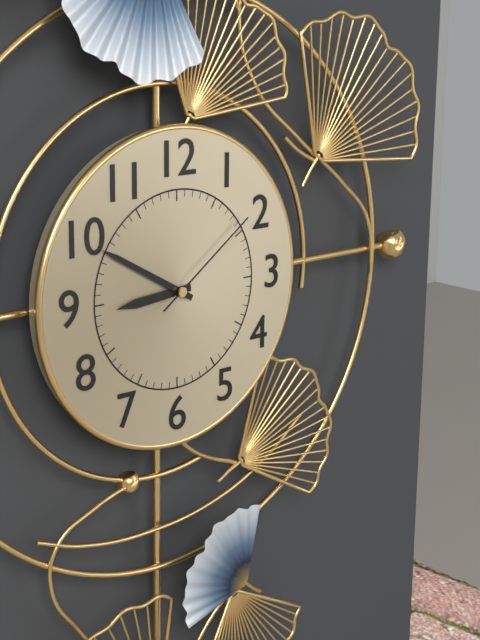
8:50:09
